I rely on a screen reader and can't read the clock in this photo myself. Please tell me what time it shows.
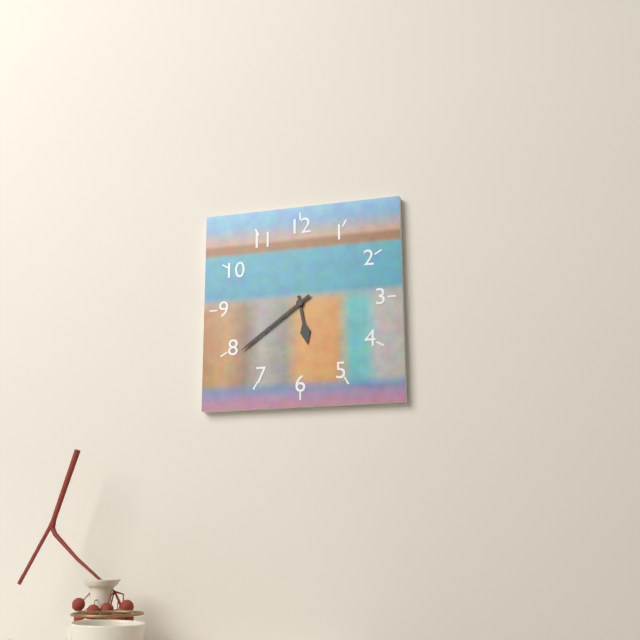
5:39
